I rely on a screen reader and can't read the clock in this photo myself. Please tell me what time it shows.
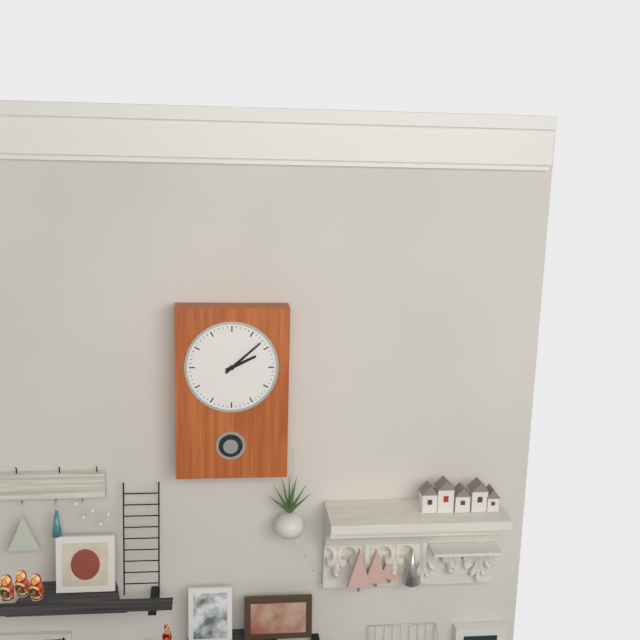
2:08
